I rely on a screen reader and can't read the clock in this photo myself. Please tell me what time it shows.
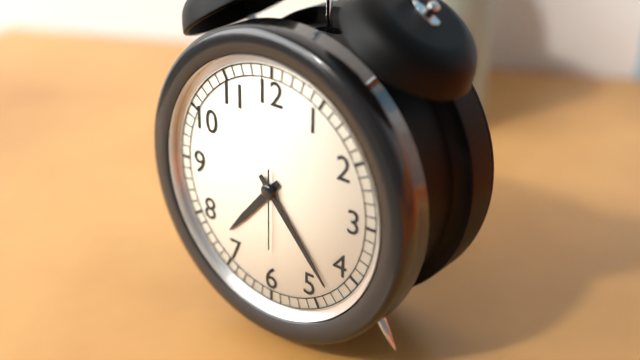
7:23:30
